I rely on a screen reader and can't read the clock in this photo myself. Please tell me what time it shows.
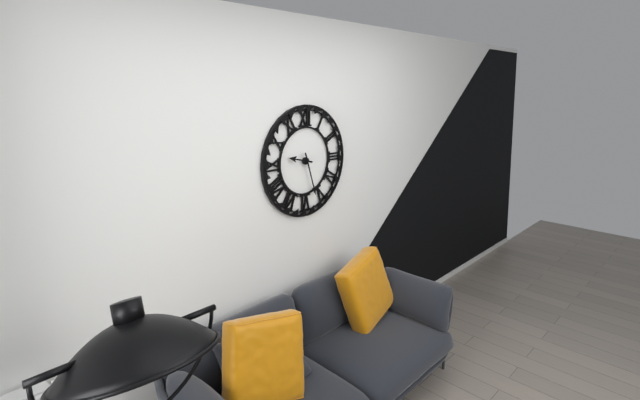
9:27
